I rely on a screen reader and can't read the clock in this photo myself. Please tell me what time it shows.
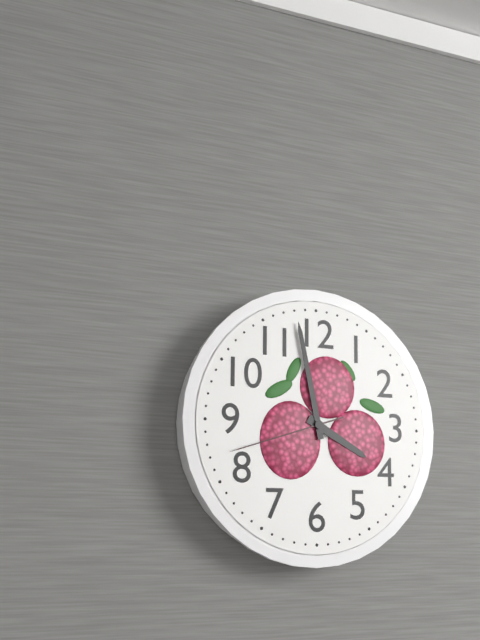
3:58:42
